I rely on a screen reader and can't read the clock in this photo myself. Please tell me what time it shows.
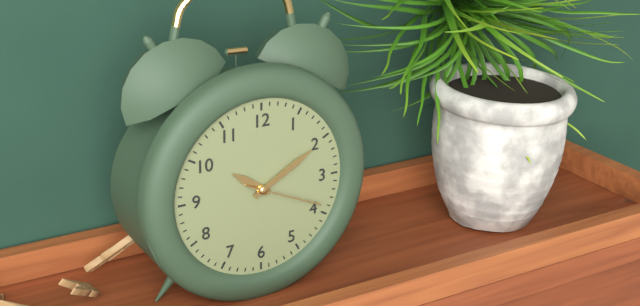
10:10:19
